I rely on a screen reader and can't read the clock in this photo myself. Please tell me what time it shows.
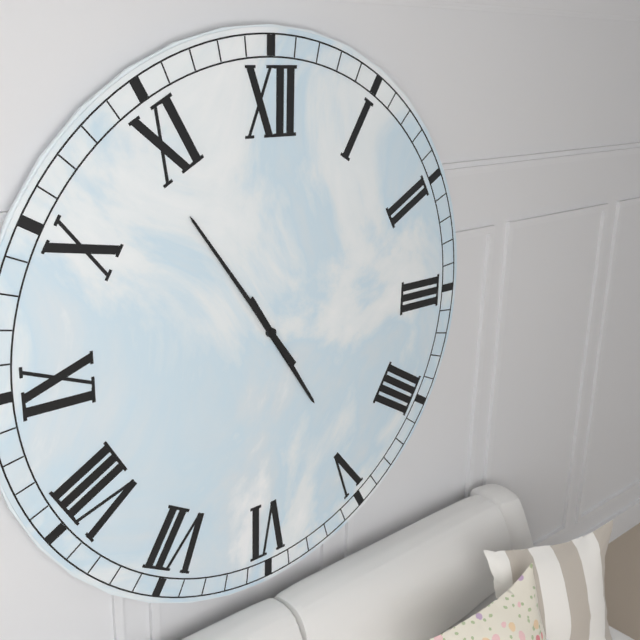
4:54
